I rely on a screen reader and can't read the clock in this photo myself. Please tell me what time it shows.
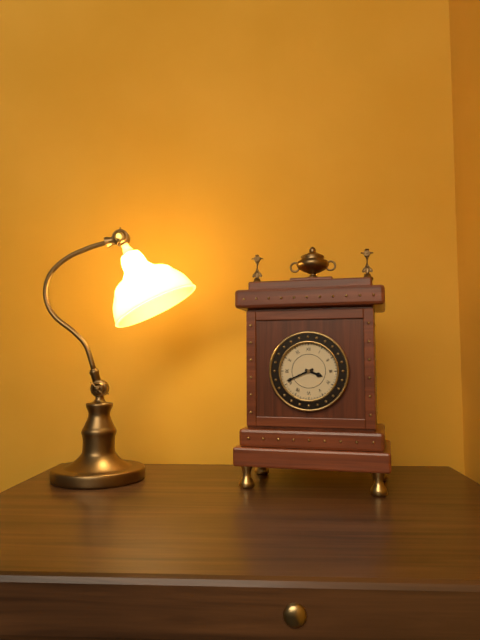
3:41
